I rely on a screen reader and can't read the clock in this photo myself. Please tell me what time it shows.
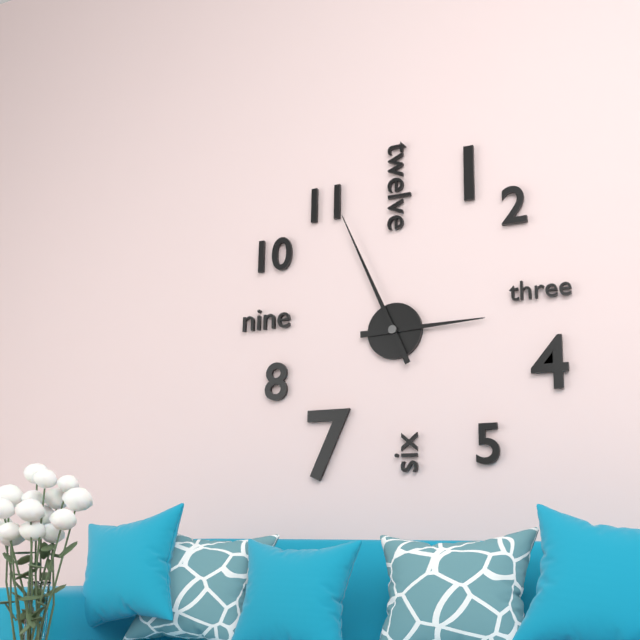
2:56
